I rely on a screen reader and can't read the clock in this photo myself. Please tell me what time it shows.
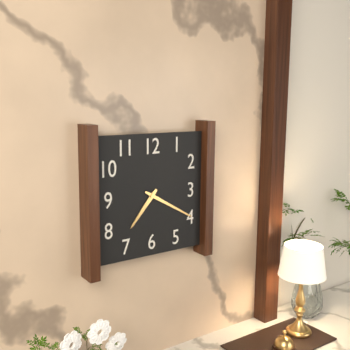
7:20
